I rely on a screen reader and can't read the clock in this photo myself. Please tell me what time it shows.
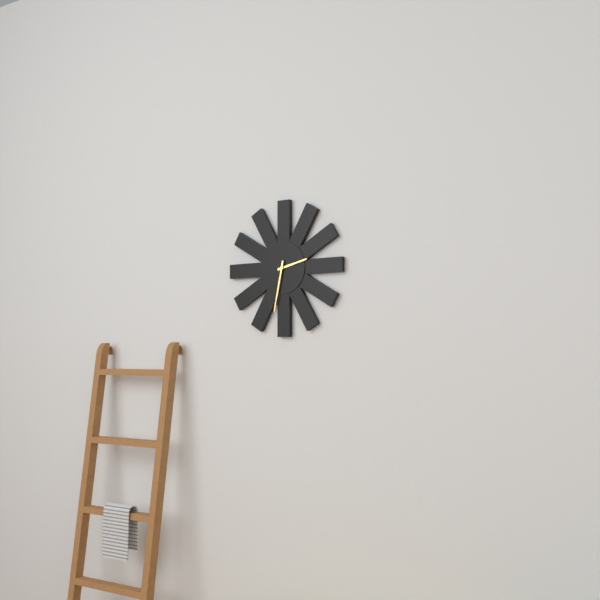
2:32
